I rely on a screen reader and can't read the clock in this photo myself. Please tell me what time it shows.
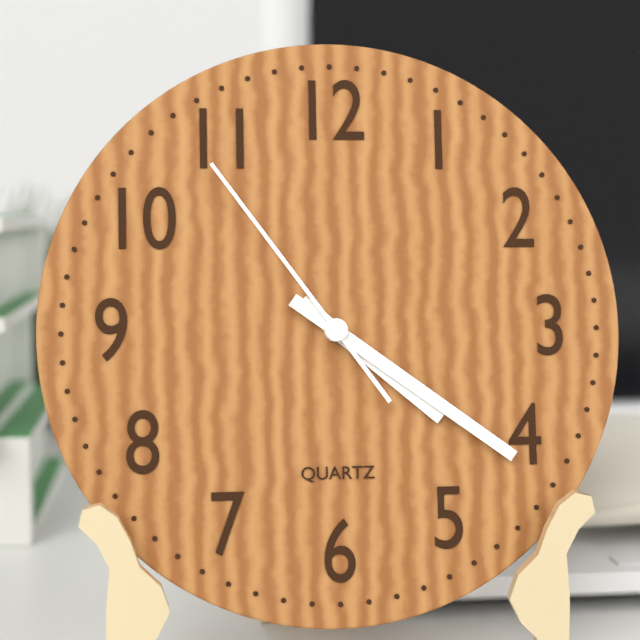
4:21:54
